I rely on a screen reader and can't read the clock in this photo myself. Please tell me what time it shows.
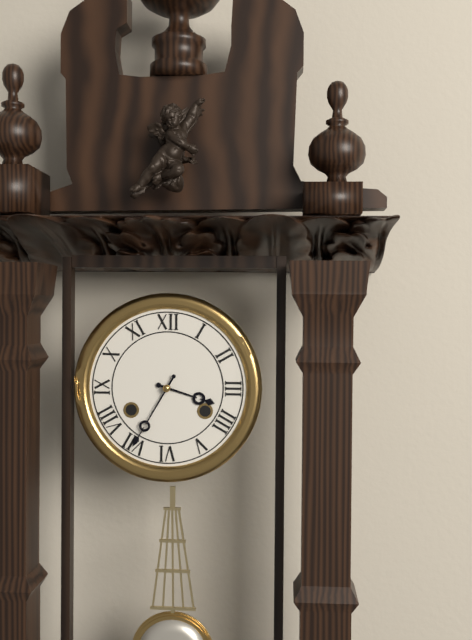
3:35
